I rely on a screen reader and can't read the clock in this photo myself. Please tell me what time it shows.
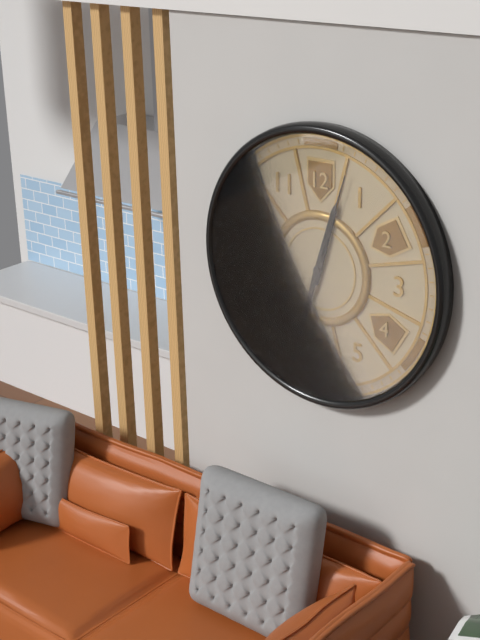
12:33:03
